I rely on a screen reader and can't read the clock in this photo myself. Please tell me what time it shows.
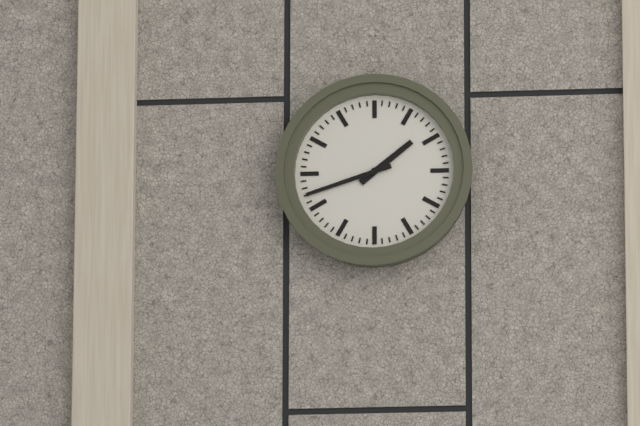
1:42
